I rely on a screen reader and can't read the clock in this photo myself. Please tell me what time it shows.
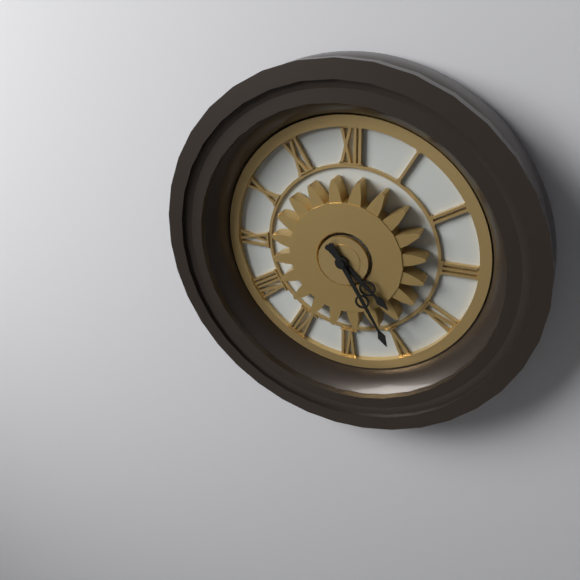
4:25
